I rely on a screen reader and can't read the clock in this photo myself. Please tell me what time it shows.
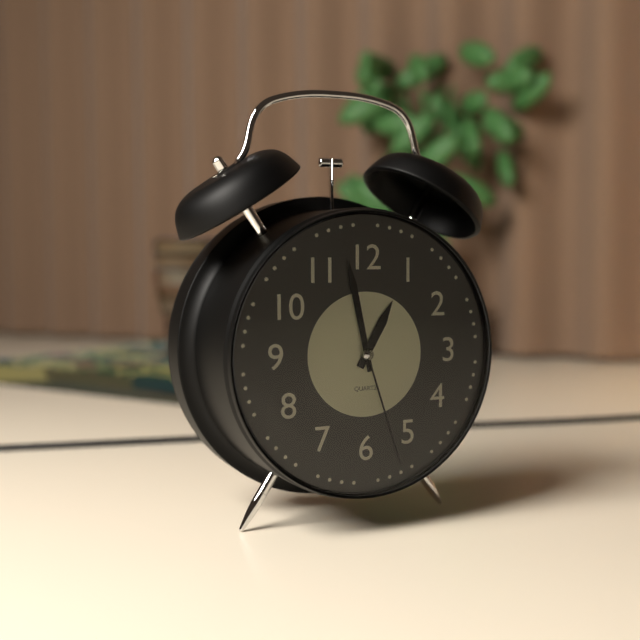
12:58:27
